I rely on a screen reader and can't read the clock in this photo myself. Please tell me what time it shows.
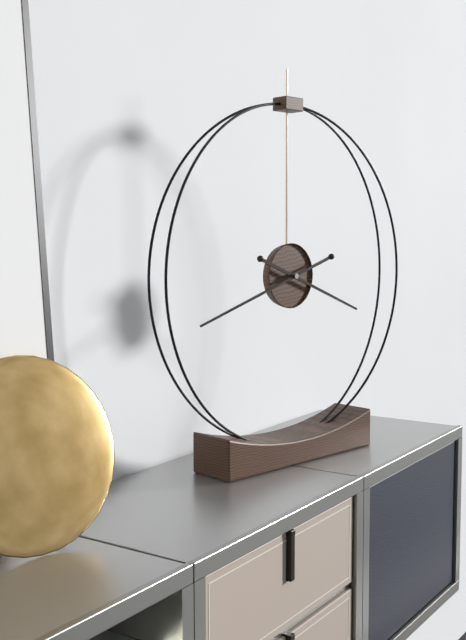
3:42
